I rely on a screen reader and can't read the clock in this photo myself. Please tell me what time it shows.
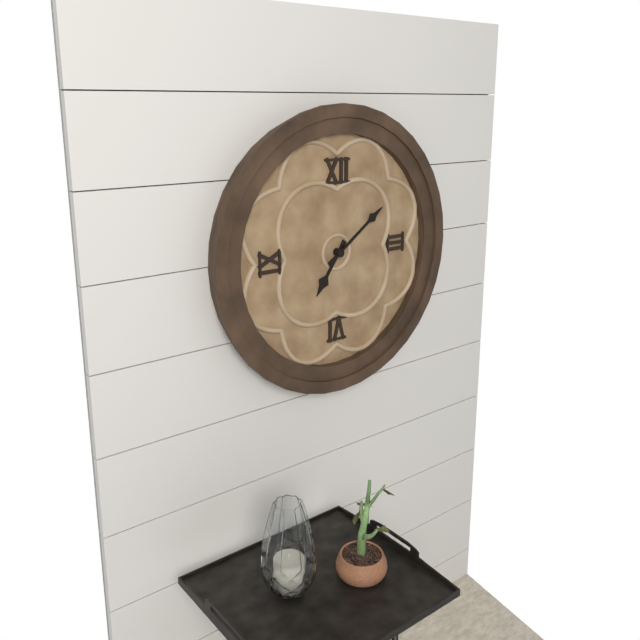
7:09
